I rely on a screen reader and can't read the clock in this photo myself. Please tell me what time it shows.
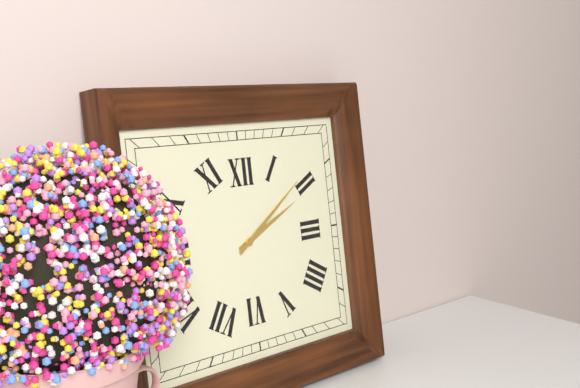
2:09
